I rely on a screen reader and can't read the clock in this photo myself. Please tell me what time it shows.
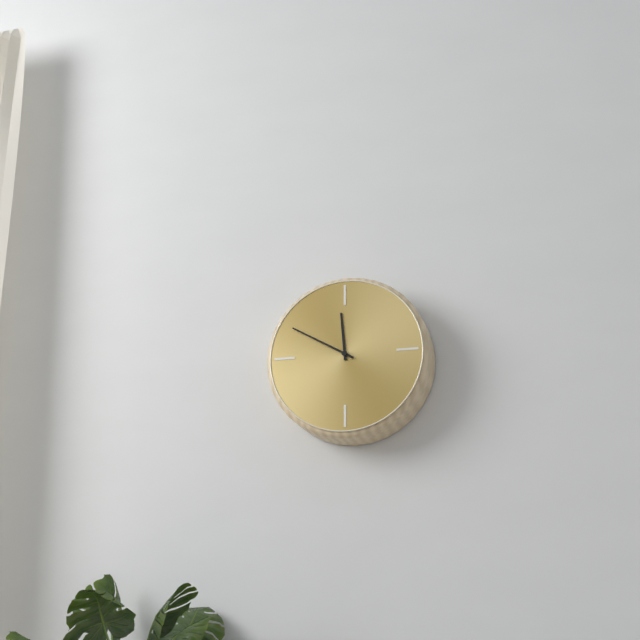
11:50
